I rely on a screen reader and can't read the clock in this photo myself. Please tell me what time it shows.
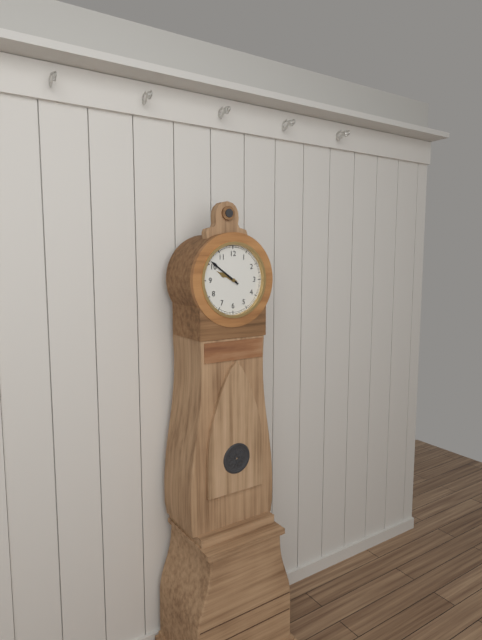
9:51
